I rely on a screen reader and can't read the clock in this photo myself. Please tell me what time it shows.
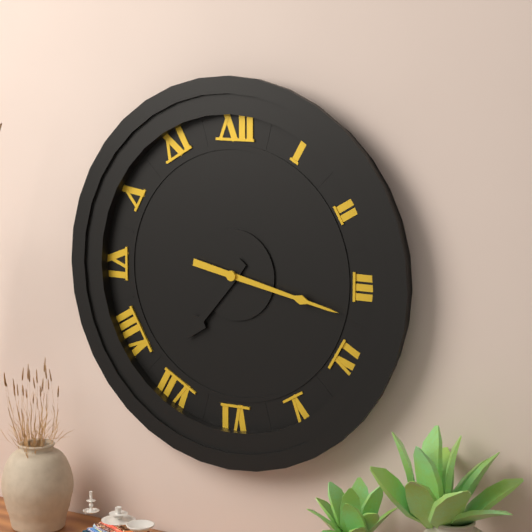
7:17
